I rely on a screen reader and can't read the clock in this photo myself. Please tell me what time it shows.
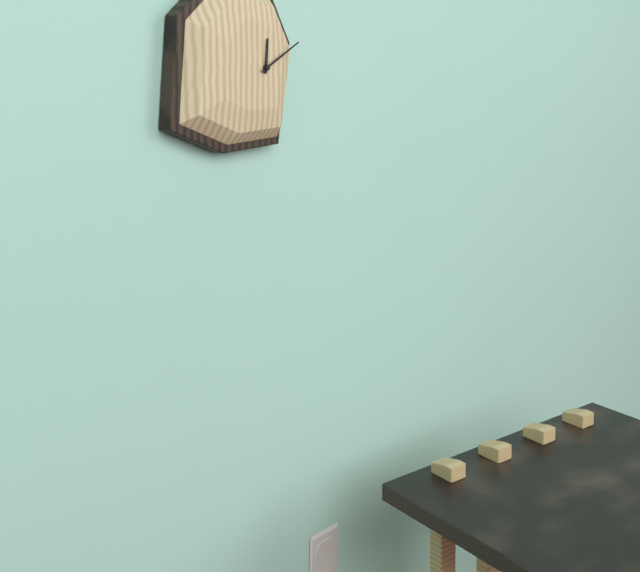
12:10
